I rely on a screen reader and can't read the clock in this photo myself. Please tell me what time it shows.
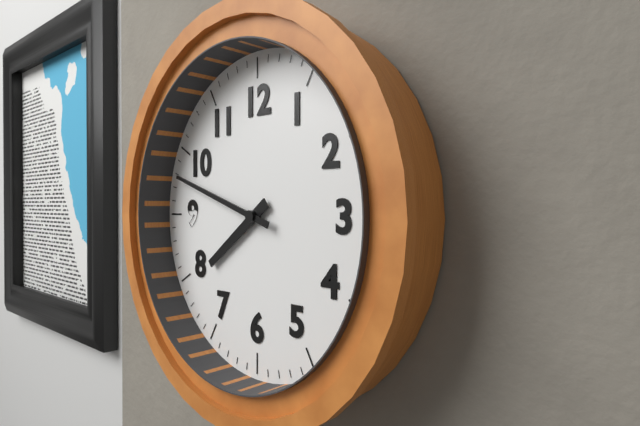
7:48
